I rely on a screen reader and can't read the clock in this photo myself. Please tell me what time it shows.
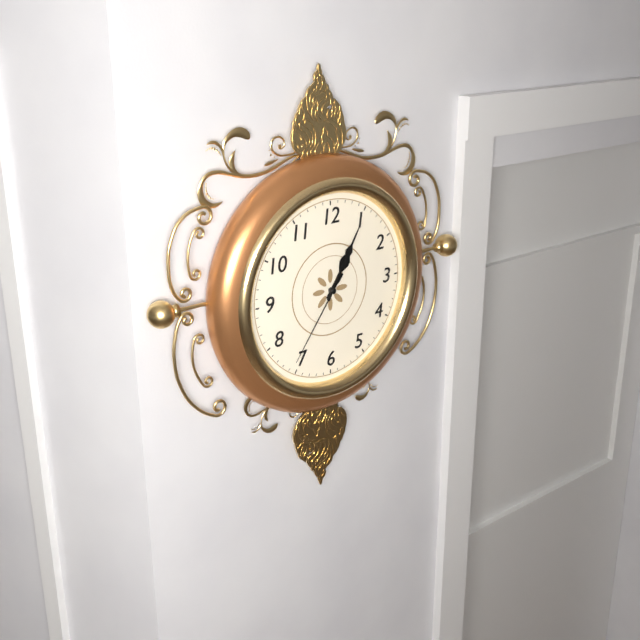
1:05:36
